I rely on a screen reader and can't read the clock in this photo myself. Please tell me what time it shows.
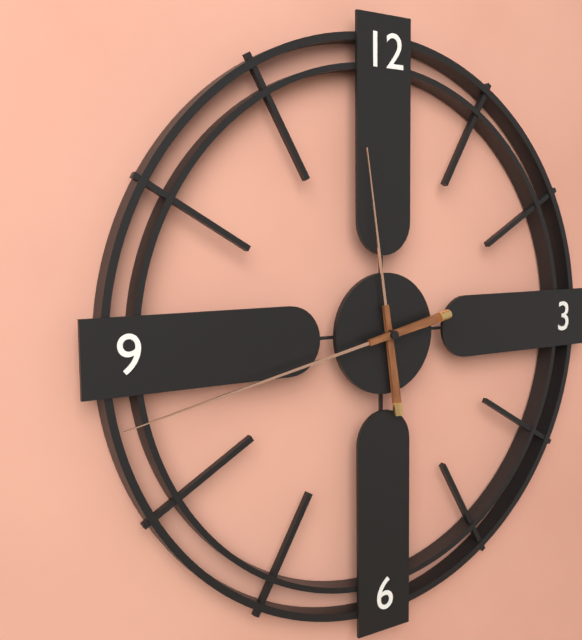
11:43
